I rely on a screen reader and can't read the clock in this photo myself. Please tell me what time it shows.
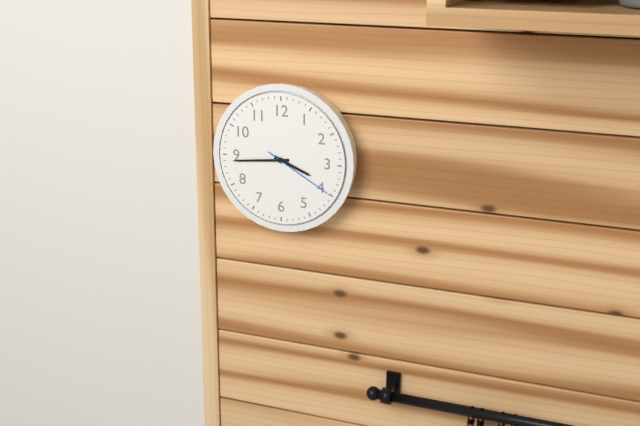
3:44:20
